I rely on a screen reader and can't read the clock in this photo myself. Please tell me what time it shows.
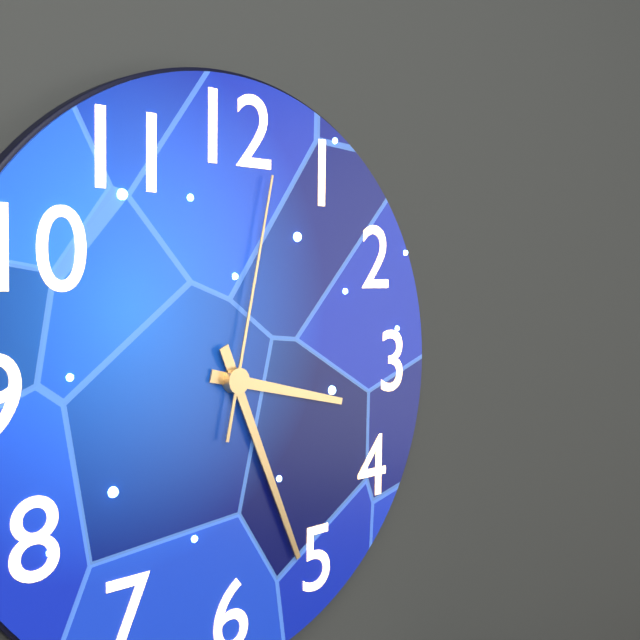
3:26:02
